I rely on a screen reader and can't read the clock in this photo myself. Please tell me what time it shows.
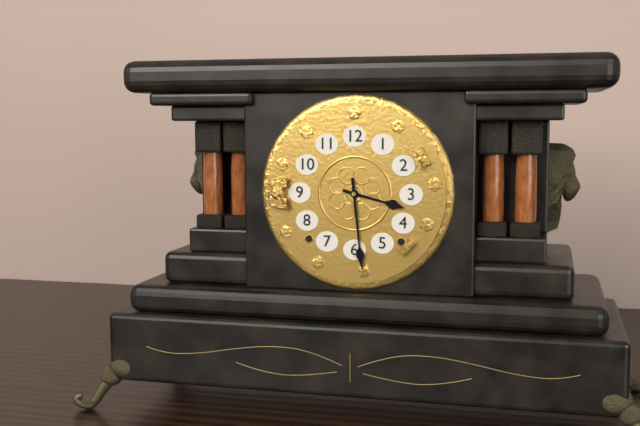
3:29
